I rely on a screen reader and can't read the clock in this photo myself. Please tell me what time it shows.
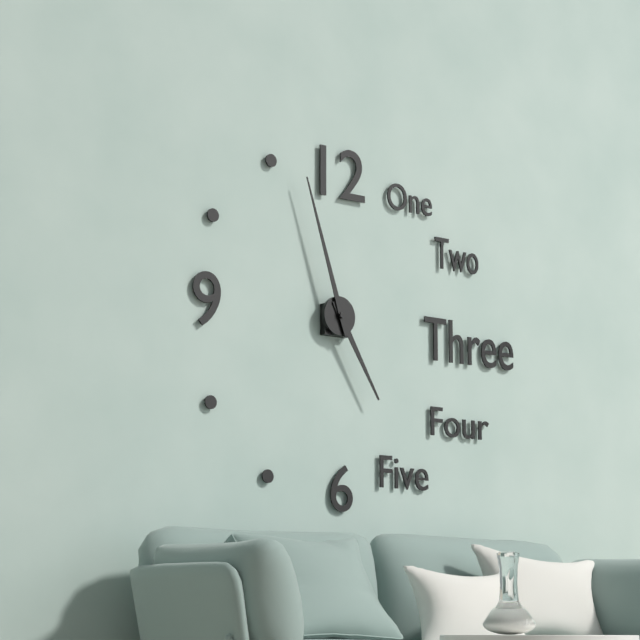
4:57
